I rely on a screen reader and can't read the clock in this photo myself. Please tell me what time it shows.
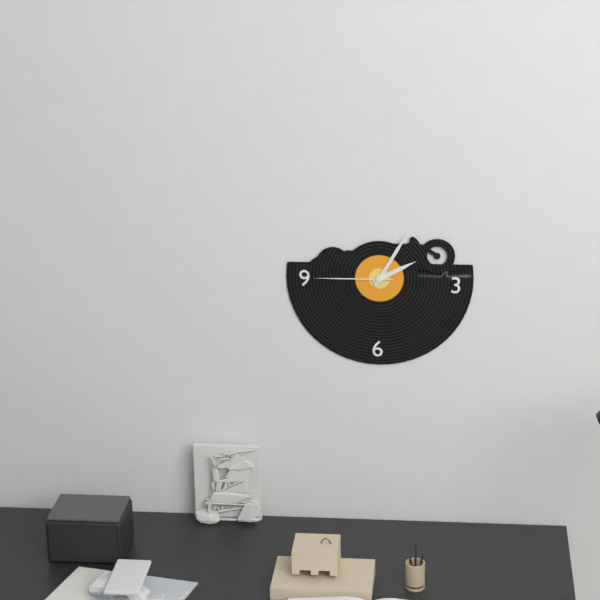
2:05:45
